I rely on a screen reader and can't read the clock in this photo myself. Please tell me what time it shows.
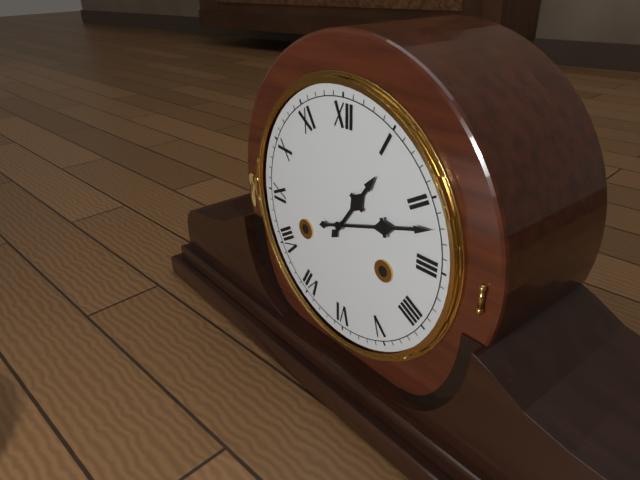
1:12
